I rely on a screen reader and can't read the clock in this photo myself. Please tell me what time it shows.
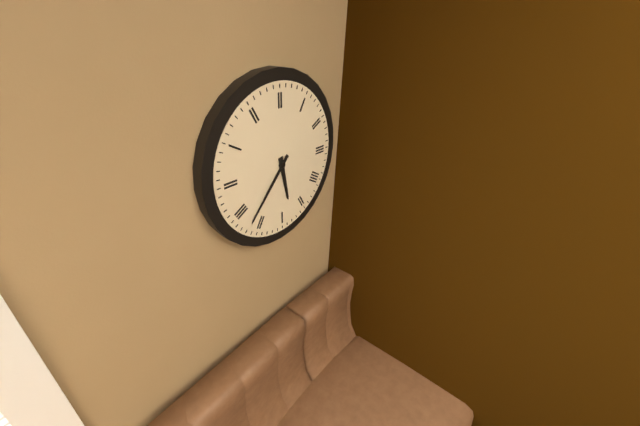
5:37
